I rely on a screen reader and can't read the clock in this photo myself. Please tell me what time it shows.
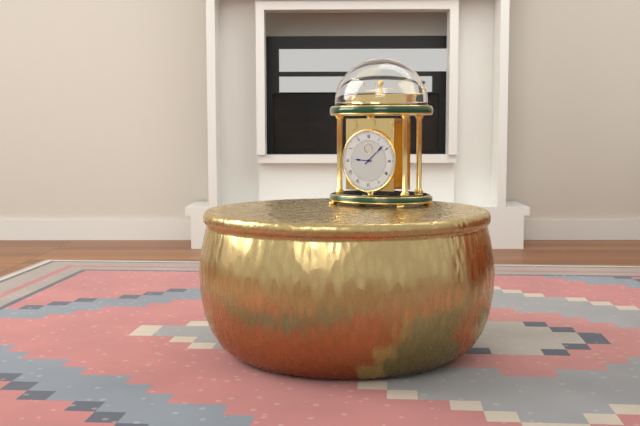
9:08
